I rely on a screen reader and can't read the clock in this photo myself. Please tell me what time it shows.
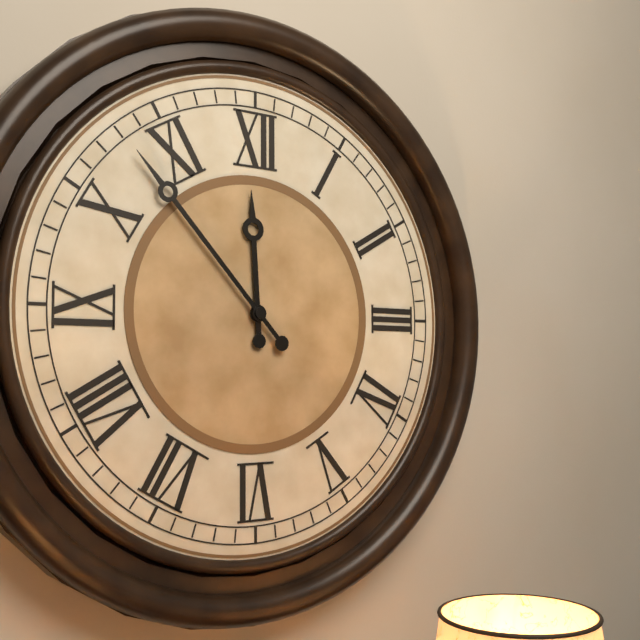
11:53
